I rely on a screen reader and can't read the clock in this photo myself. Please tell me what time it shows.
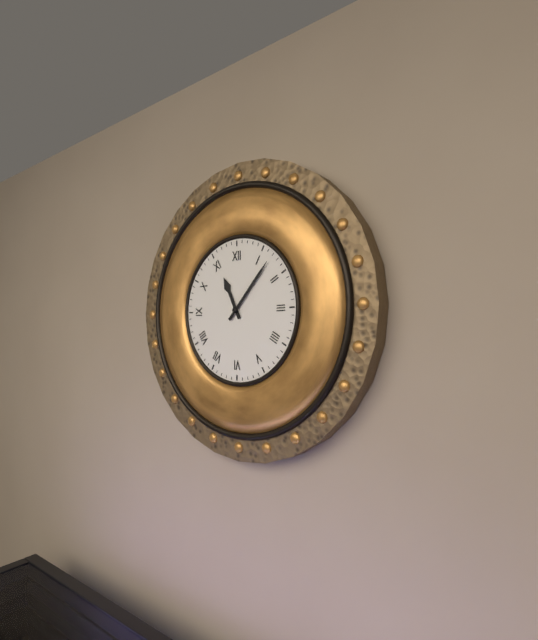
11:07
